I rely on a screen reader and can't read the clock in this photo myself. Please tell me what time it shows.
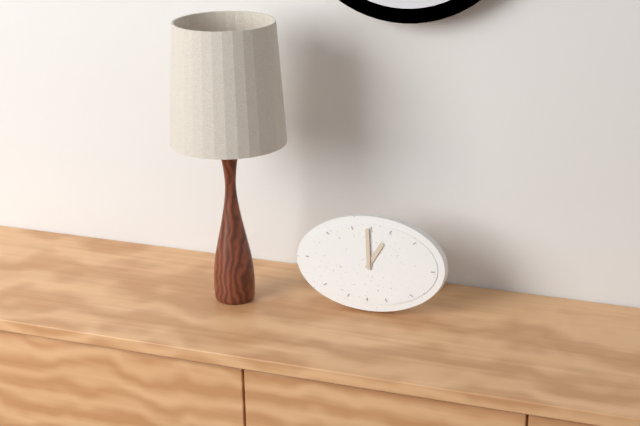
12:59
